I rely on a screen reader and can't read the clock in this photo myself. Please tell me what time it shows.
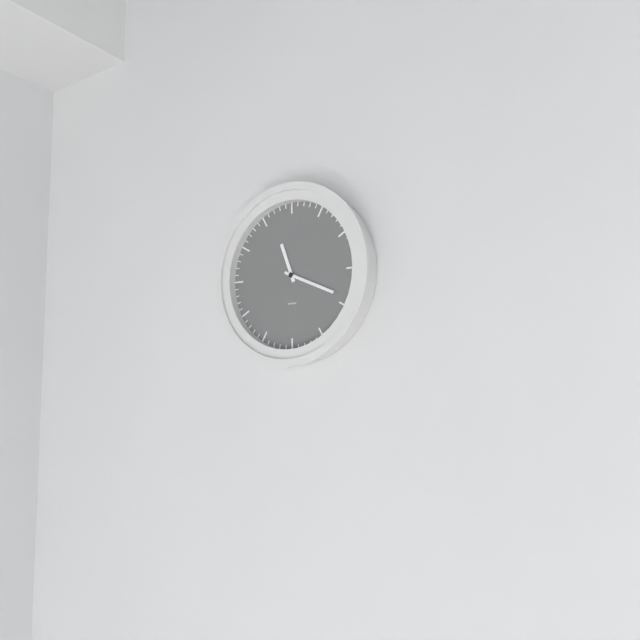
11:19
